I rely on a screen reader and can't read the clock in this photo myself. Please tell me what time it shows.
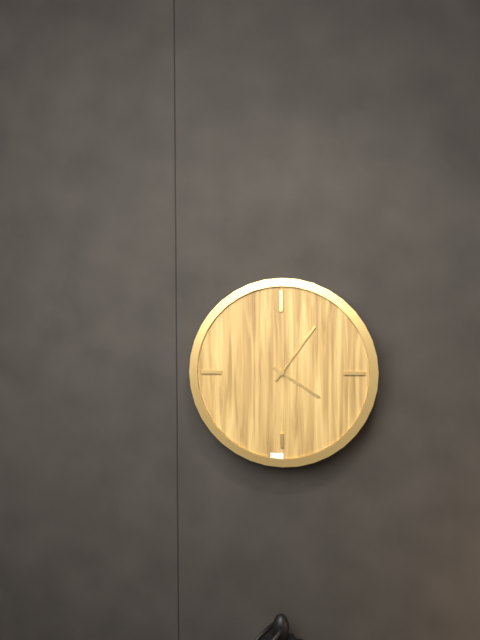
4:06
